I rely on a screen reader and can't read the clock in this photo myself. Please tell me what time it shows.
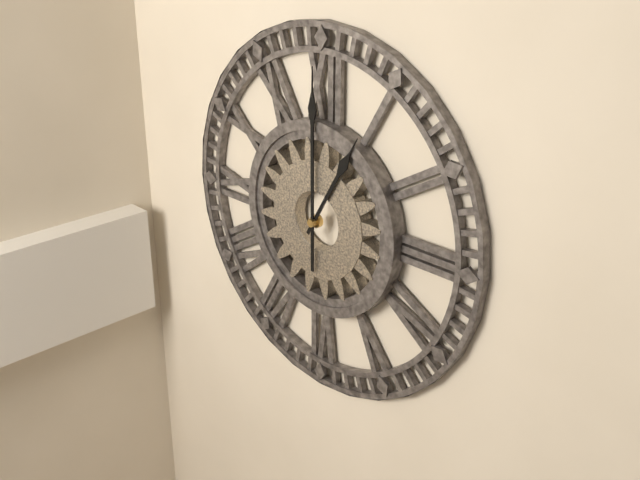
1:00
